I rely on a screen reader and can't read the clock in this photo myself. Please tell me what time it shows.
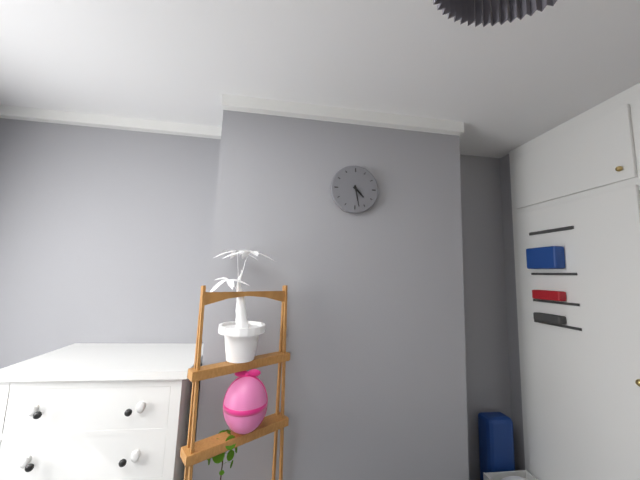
4:28
